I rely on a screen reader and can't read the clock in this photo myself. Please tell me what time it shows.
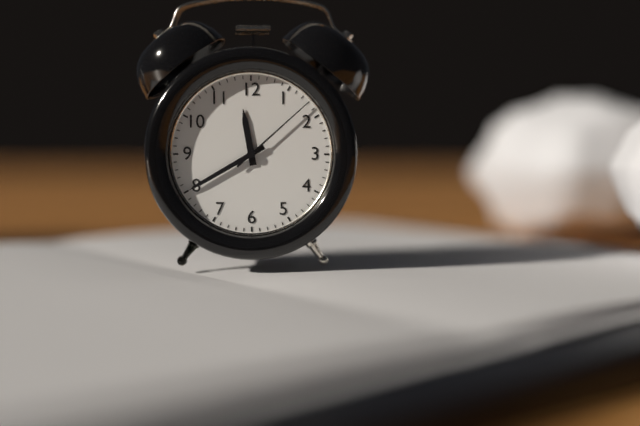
11:40:08
